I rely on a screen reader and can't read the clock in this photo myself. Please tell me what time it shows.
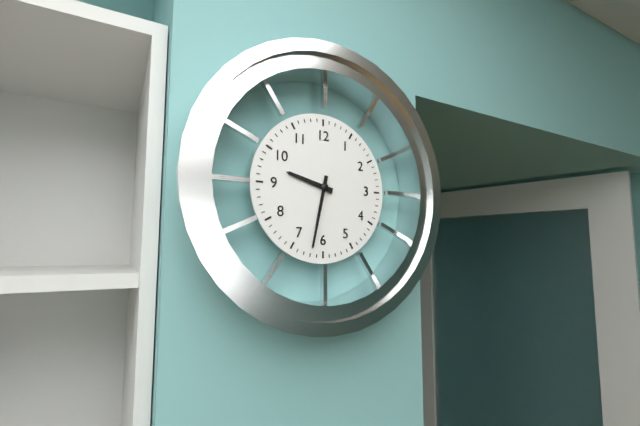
9:32
